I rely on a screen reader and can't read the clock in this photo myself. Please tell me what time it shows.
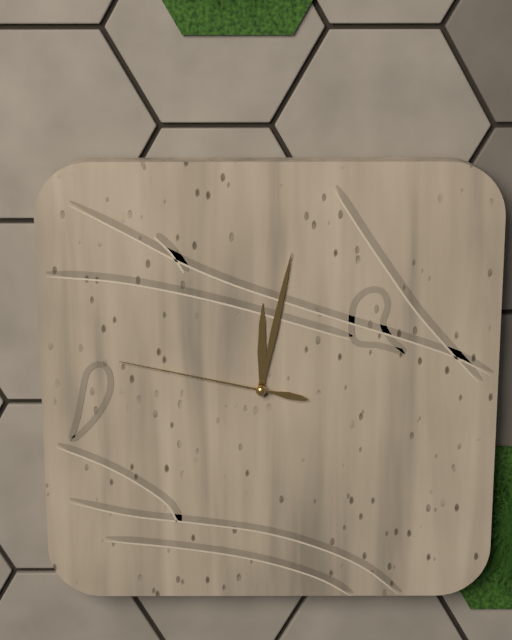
12:02:47
